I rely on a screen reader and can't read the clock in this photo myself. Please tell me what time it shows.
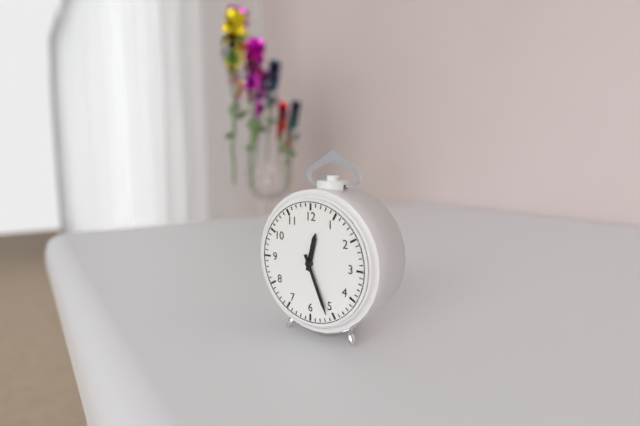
12:26
